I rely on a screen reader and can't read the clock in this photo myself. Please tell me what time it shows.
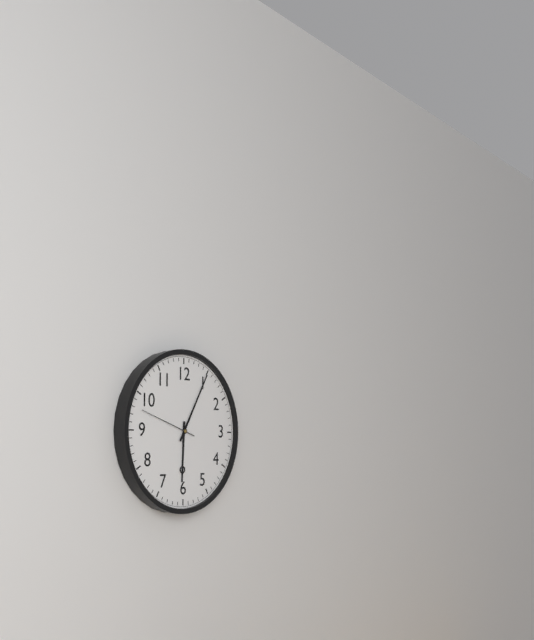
6:05:48
